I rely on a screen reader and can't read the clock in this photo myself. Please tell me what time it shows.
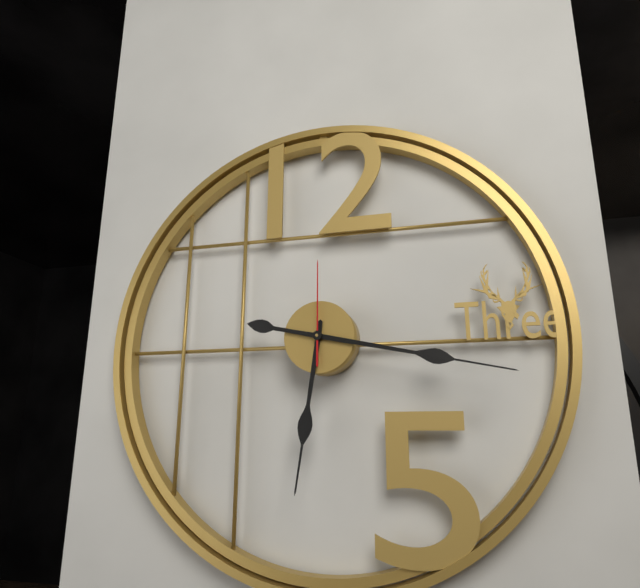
6:17:00
